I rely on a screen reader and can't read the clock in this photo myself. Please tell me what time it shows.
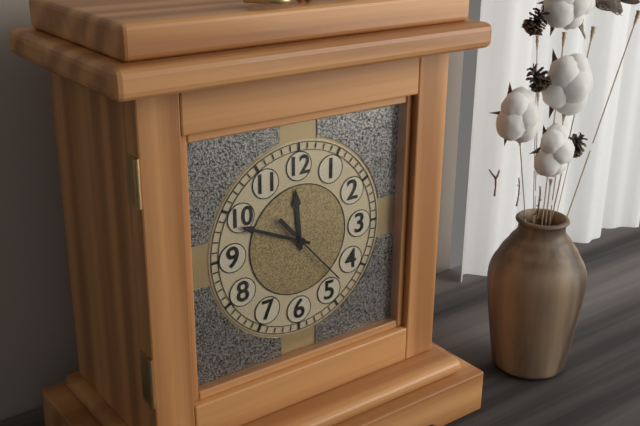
11:49:23
